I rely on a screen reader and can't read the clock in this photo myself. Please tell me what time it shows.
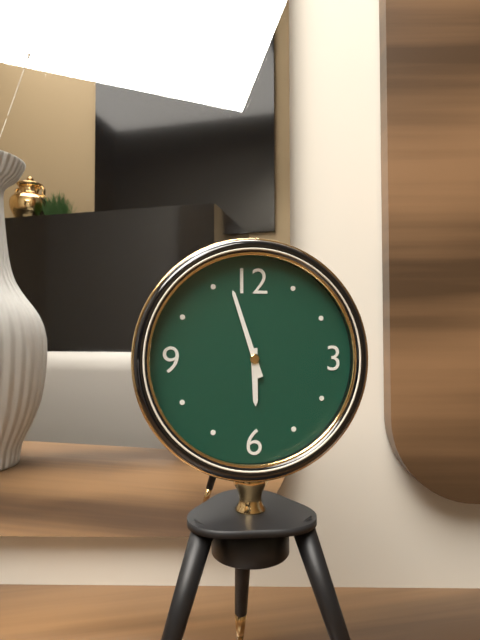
5:57
